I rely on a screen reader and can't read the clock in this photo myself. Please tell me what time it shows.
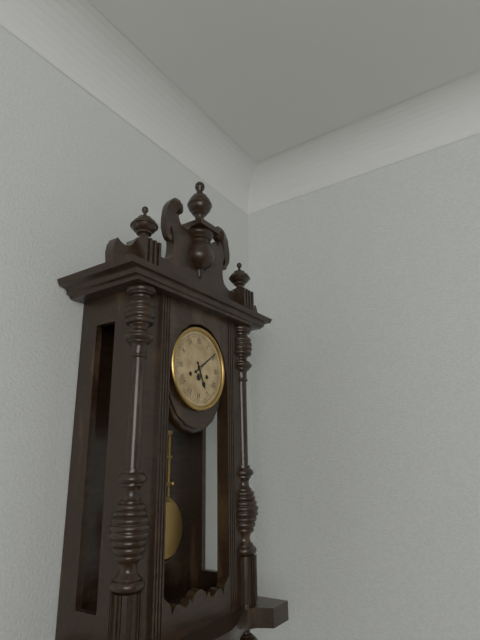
5:09
